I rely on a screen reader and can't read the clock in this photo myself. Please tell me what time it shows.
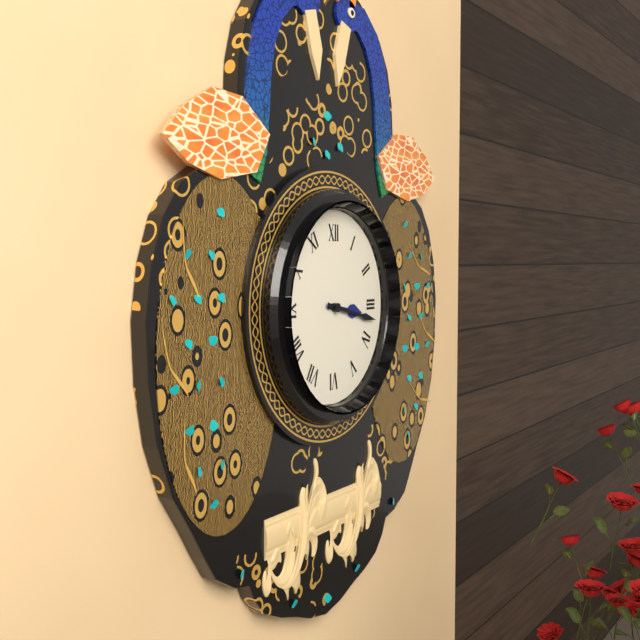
3:17
